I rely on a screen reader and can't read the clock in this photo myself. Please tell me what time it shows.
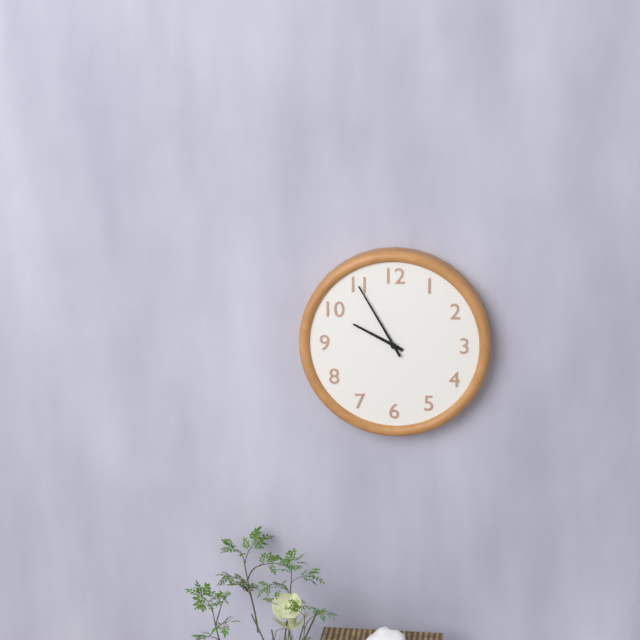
9:55
